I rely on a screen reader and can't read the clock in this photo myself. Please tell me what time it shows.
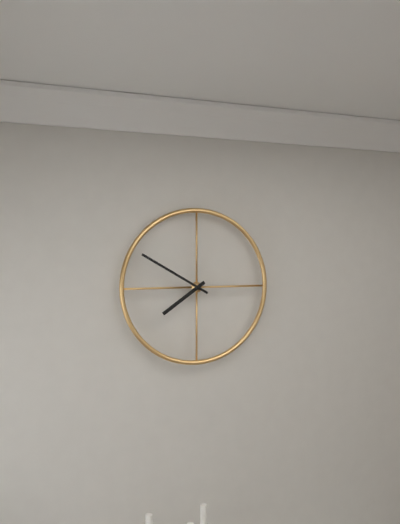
7:50
